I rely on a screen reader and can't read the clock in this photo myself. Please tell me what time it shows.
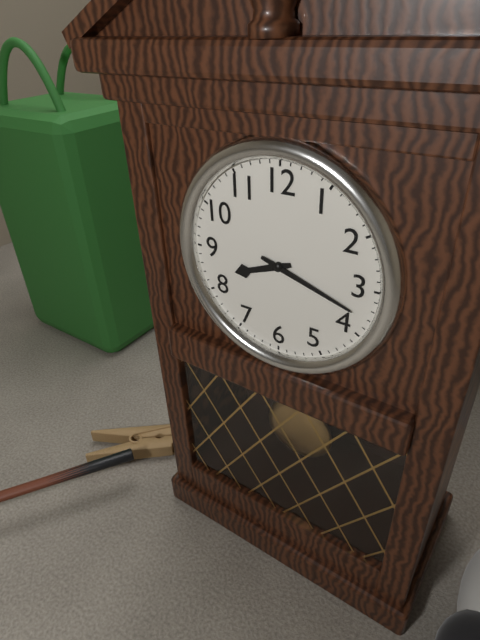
8:18
